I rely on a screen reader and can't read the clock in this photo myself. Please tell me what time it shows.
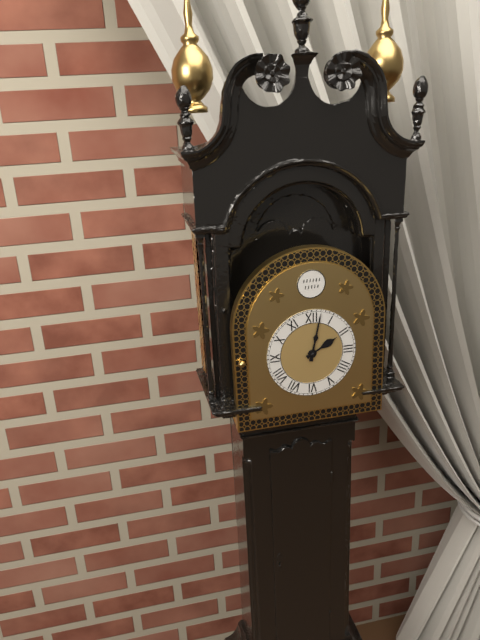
2:02
